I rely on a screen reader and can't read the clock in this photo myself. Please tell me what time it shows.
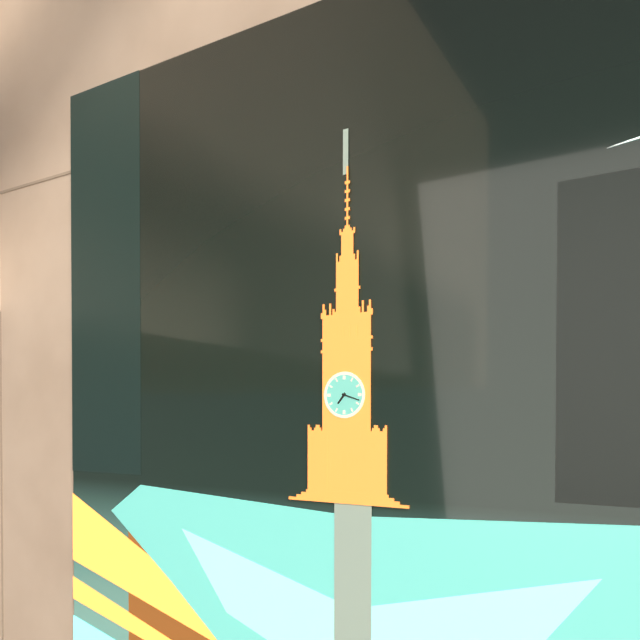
7:18
